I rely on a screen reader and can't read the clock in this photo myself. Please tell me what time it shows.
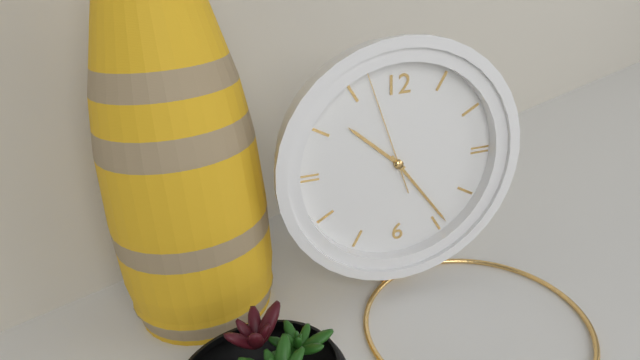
10:24:57
